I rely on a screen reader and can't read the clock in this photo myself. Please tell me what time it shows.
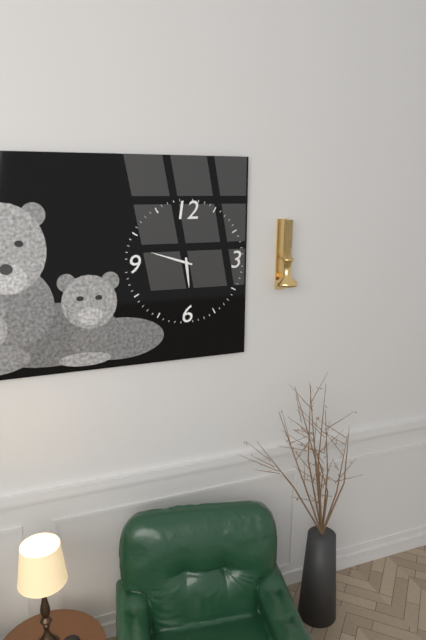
5:48
